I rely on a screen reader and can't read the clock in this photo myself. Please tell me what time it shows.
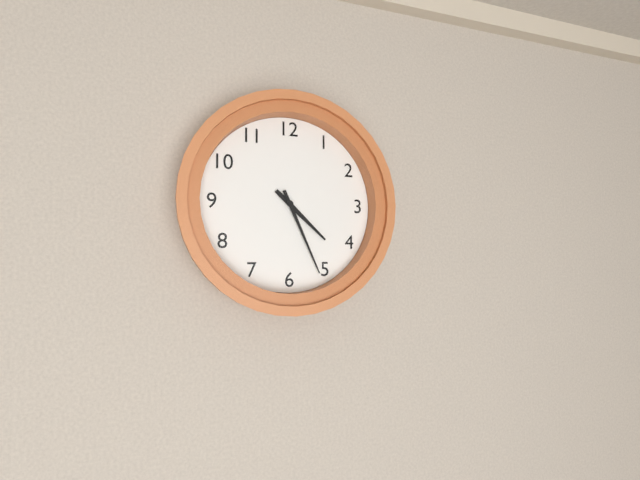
4:26
